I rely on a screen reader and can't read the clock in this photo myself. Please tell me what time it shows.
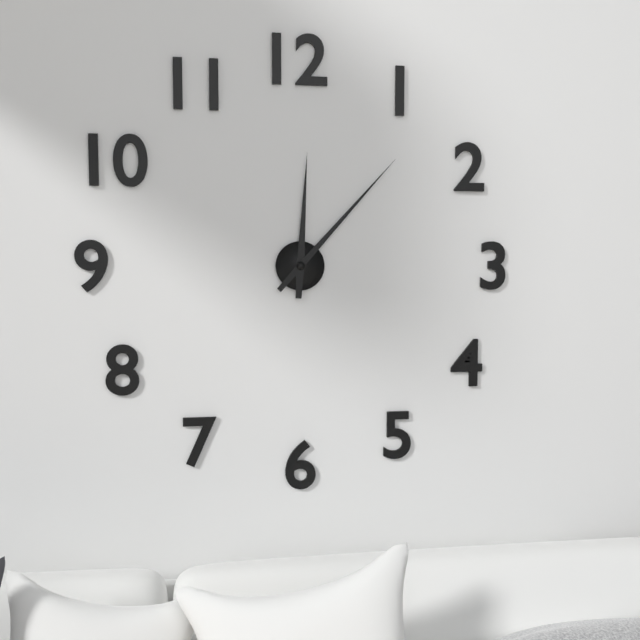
12:07
